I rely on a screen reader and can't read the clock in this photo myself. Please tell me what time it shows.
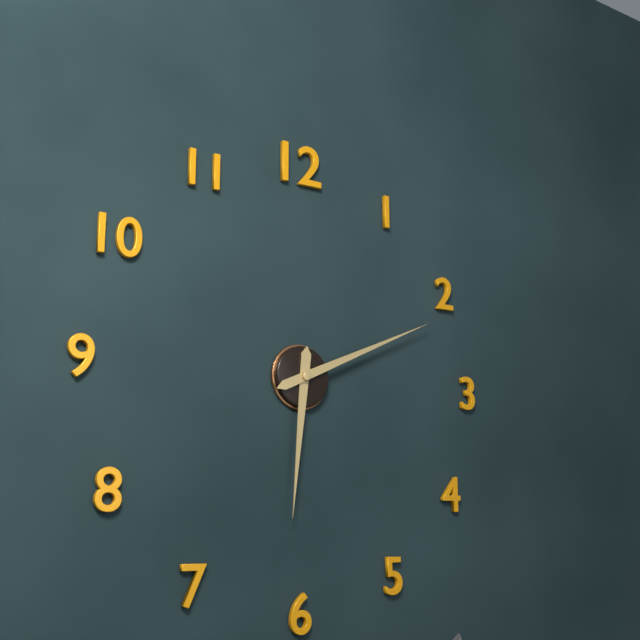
6:11
